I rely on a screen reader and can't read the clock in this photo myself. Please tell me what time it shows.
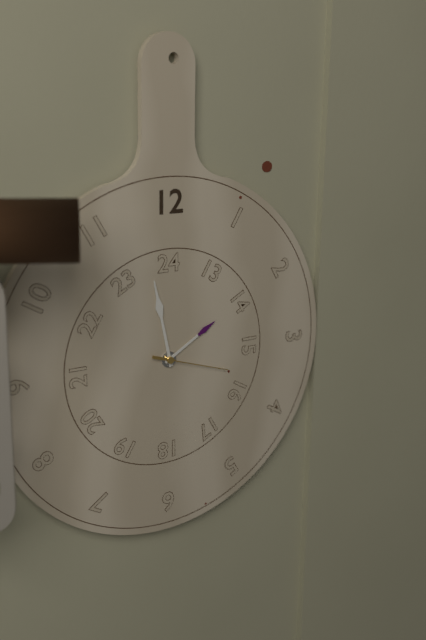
1:58:18
